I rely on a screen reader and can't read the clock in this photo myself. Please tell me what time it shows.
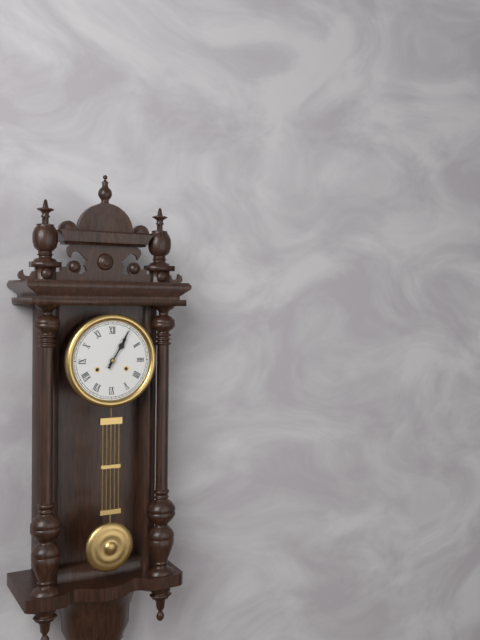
1:05
